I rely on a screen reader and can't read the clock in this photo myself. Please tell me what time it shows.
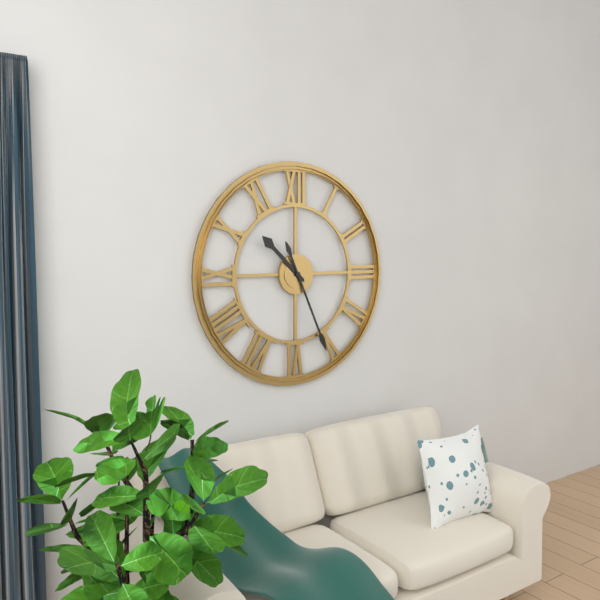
10:26
